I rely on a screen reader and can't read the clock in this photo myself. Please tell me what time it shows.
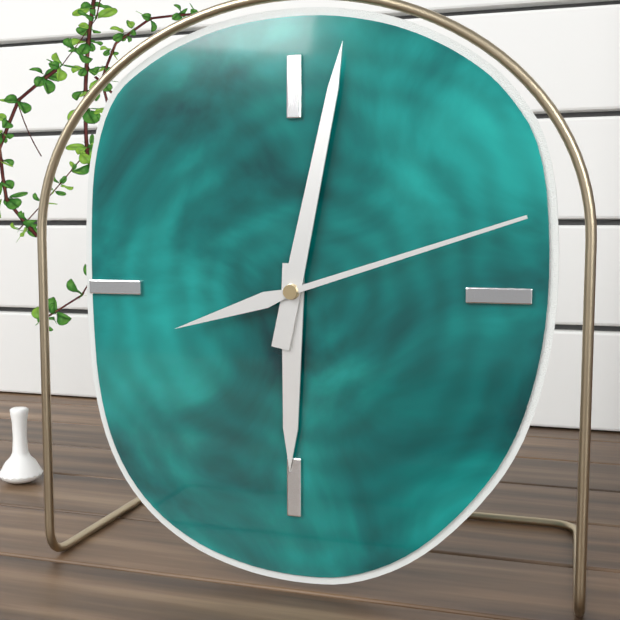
6:02:12
